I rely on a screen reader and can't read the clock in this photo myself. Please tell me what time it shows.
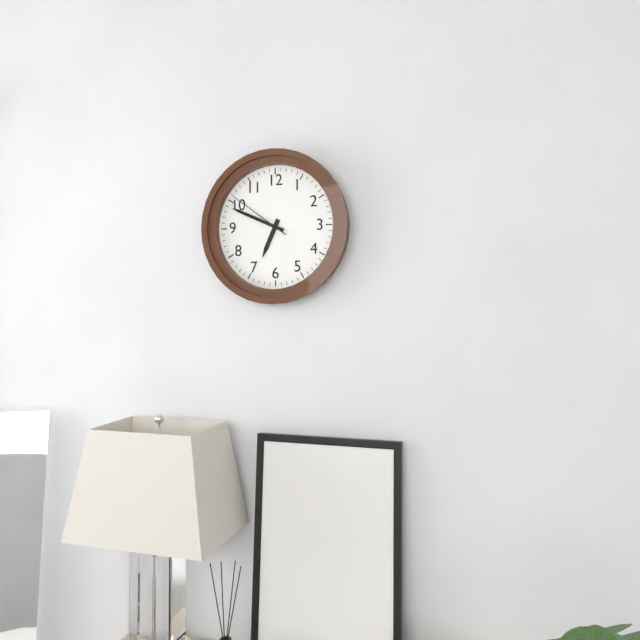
6:49:51
